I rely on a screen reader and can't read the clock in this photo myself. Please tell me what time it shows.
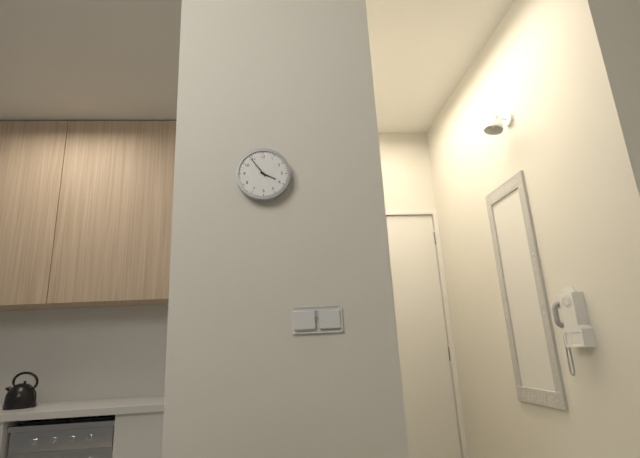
3:54
